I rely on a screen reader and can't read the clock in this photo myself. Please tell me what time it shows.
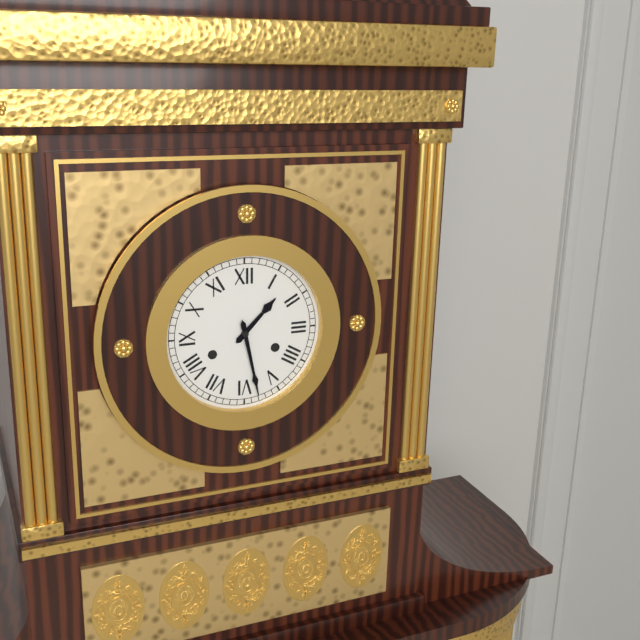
1:28
